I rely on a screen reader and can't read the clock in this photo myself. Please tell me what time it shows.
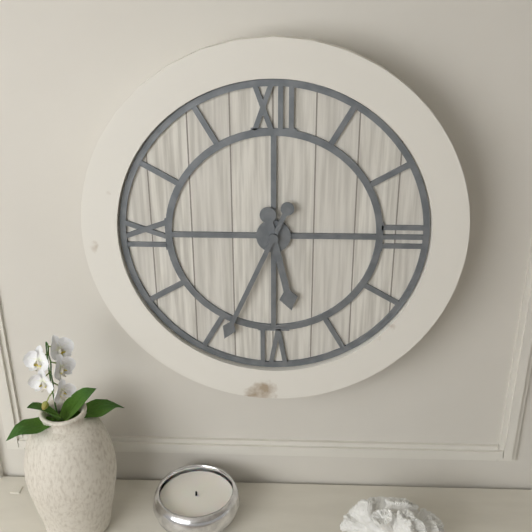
5:34
